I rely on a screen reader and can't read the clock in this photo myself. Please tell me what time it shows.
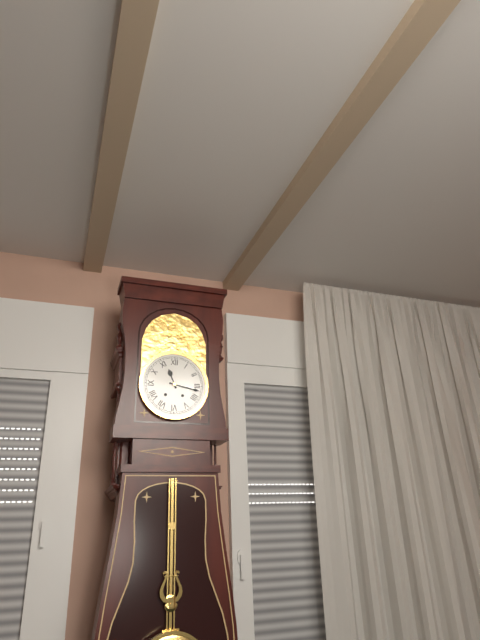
11:17
